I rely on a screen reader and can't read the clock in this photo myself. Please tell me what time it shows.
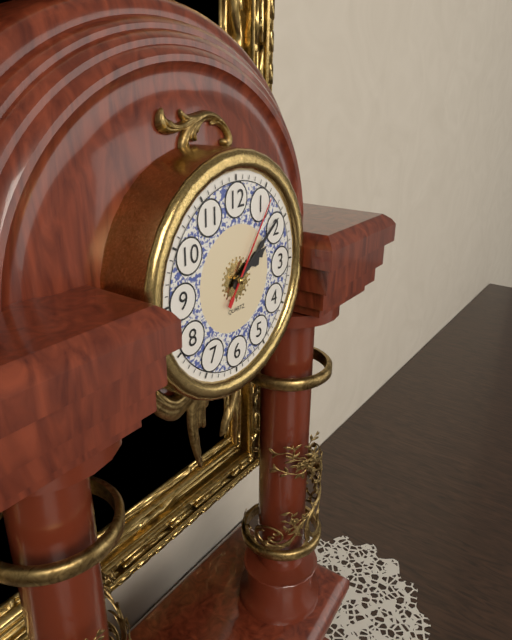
2:09:06
